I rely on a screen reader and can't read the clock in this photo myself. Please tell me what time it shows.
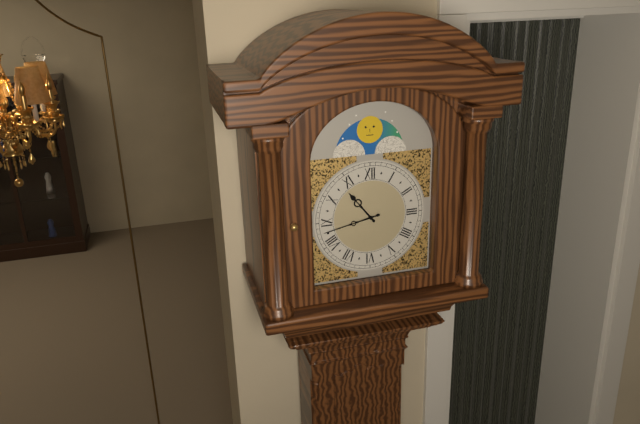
10:43
